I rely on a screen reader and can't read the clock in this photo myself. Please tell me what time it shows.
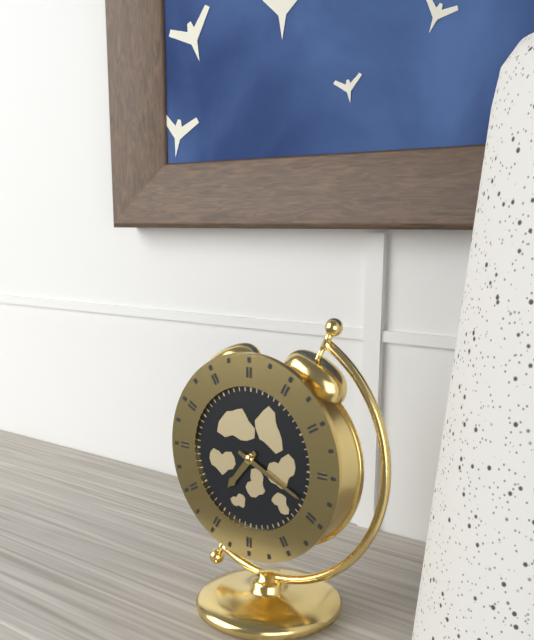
7:19
